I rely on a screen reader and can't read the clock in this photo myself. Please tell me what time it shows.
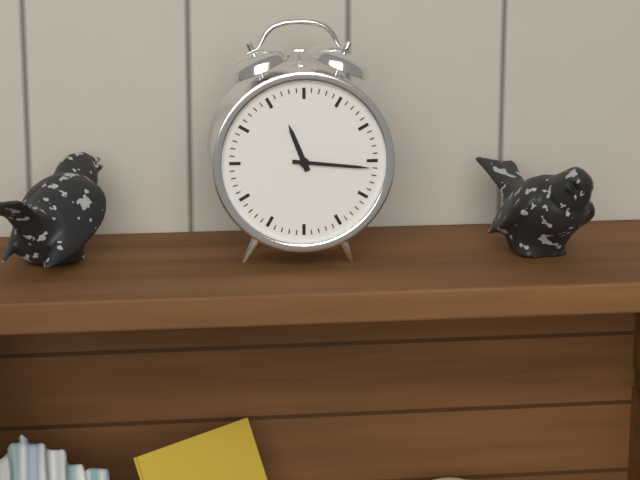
11:16
